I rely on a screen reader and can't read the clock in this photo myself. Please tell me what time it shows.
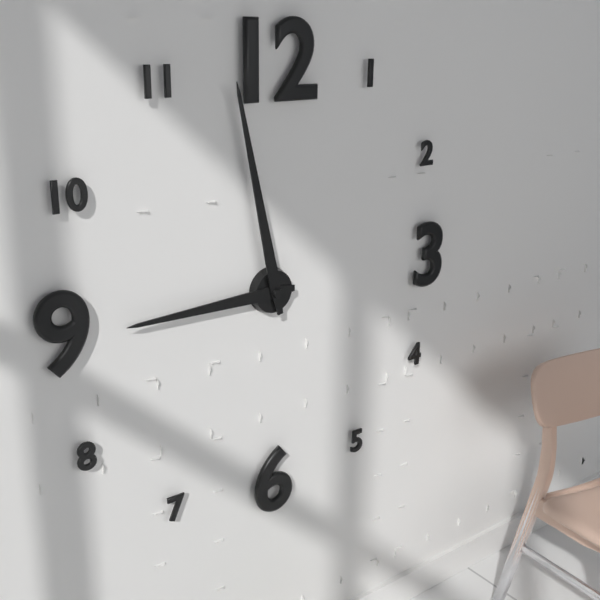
8:58
